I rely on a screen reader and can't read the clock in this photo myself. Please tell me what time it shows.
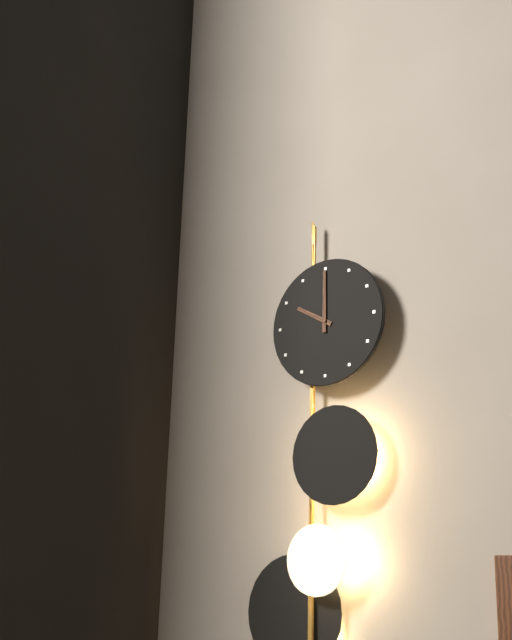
10:00
